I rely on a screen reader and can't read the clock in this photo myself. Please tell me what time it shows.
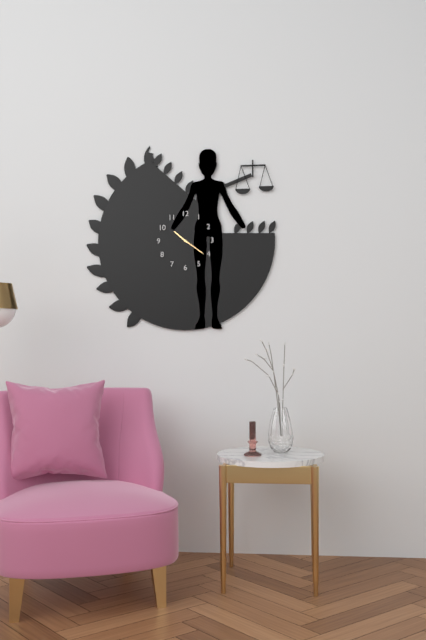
10:21
